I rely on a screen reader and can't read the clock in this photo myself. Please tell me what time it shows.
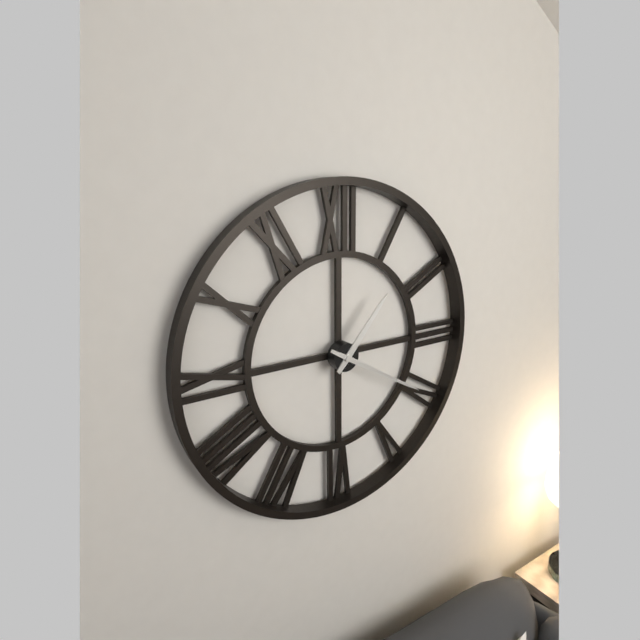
1:20
